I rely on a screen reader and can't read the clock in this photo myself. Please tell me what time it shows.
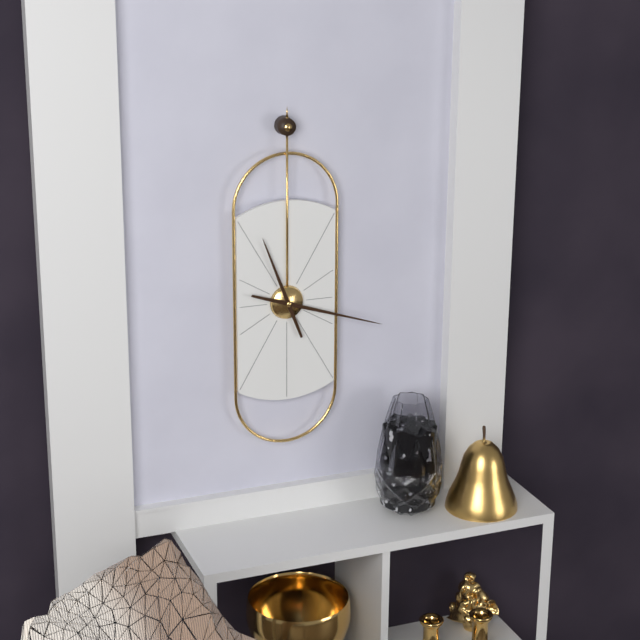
11:18
